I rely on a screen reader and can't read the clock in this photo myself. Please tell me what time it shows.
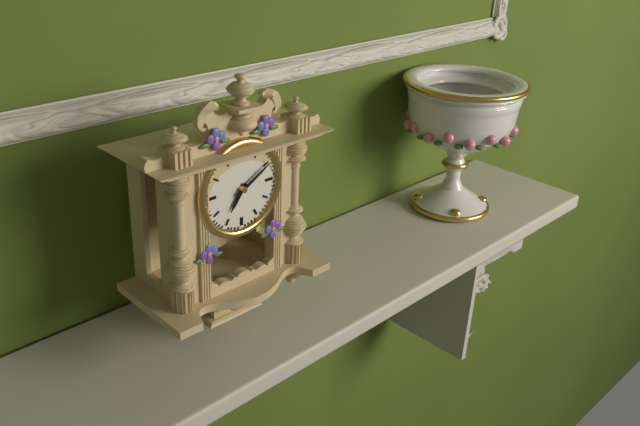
7:10
